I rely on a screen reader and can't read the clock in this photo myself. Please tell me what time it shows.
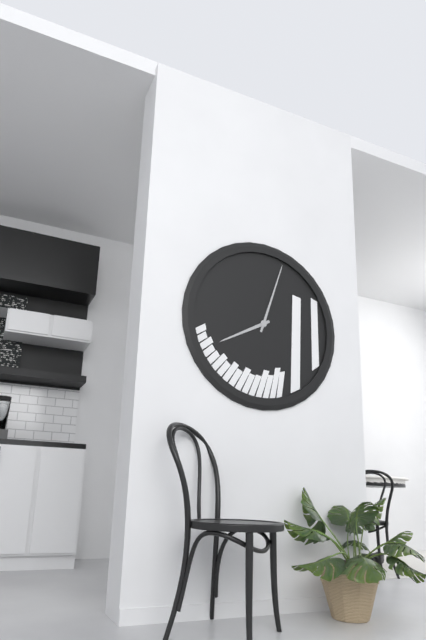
8:03
